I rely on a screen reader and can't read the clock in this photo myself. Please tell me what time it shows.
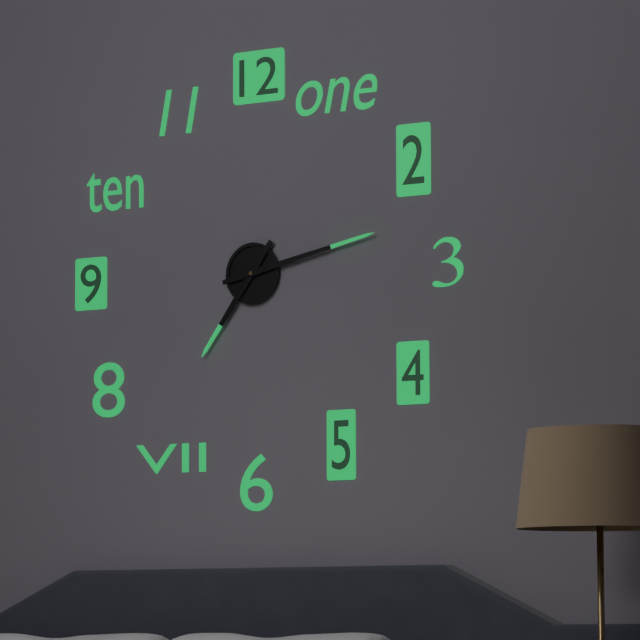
7:13
